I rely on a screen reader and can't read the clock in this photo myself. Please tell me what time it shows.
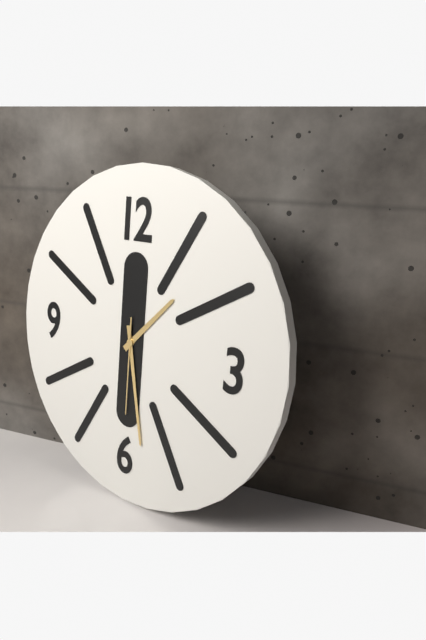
1:28:30
